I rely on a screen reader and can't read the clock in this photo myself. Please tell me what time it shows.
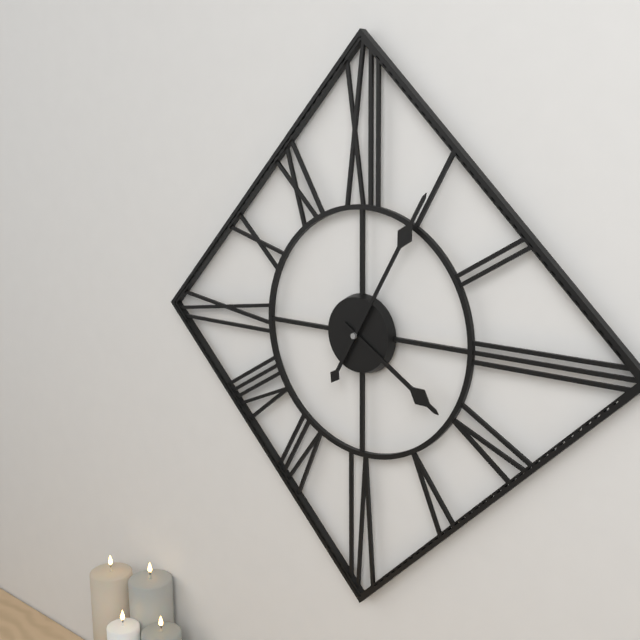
4:05
